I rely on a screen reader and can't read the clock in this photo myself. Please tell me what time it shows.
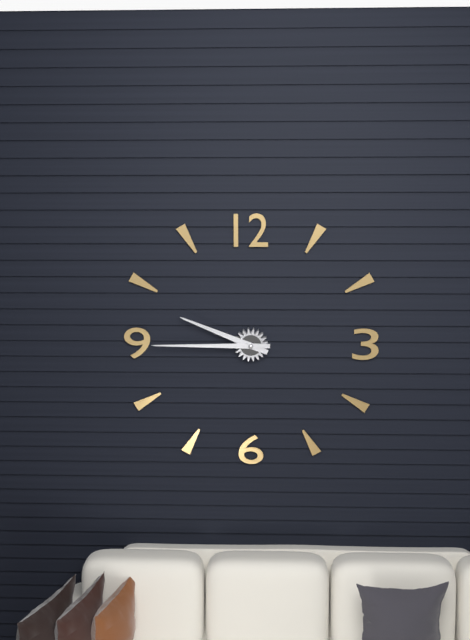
9:45
